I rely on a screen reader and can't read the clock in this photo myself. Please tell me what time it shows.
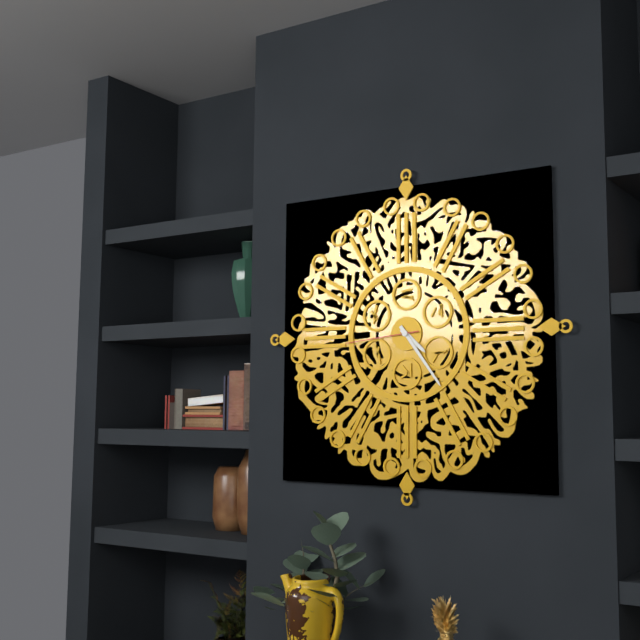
4:24:44
